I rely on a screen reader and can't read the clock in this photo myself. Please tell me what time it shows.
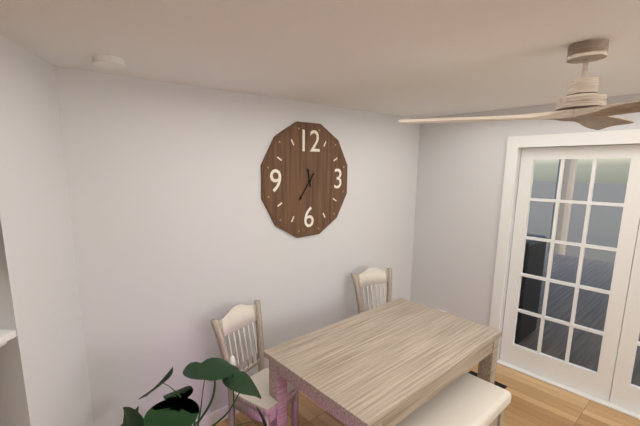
11:36
